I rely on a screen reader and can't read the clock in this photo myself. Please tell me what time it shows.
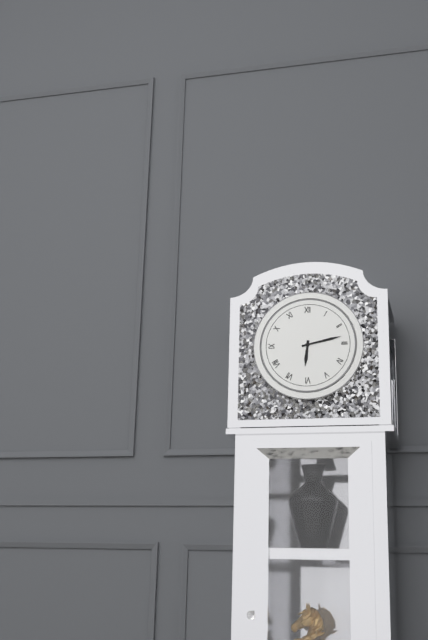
6:13
